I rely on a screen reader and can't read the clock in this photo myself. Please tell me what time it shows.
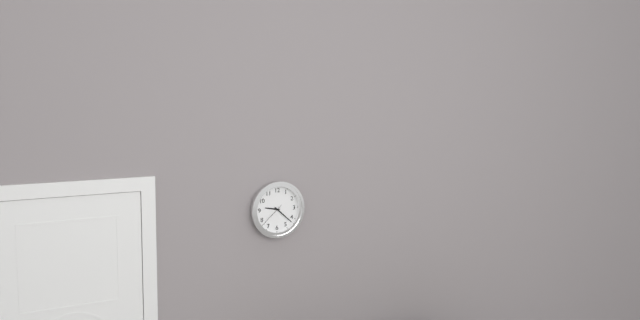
9:22
